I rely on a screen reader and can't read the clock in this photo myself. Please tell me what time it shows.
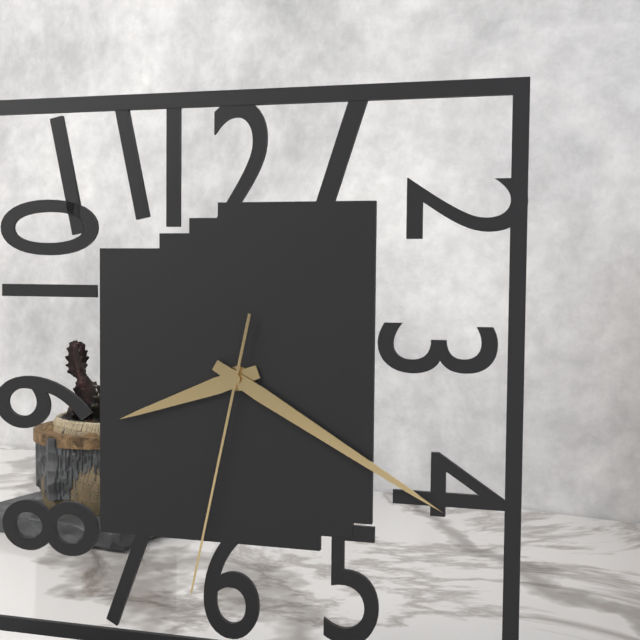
8:20:32
